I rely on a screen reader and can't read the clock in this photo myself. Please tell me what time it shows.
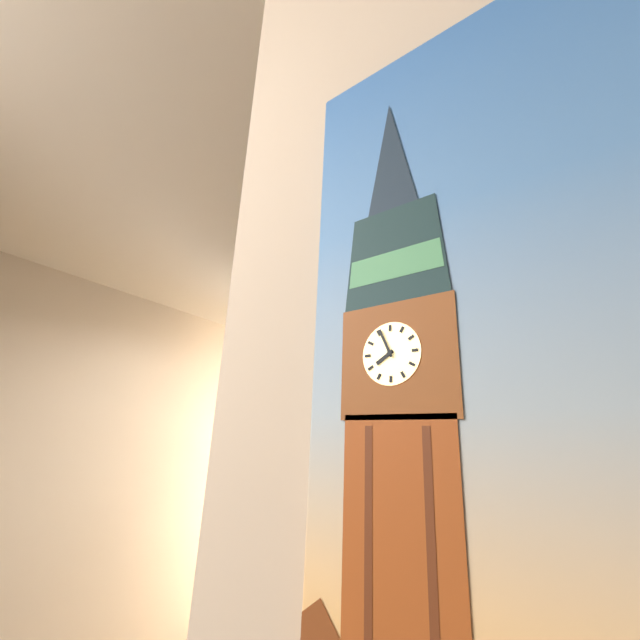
7:56
